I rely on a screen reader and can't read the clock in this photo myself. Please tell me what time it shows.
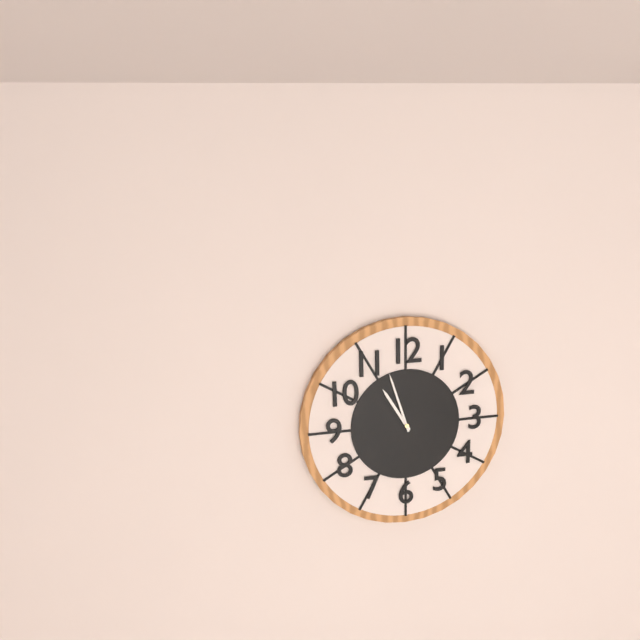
10:57
